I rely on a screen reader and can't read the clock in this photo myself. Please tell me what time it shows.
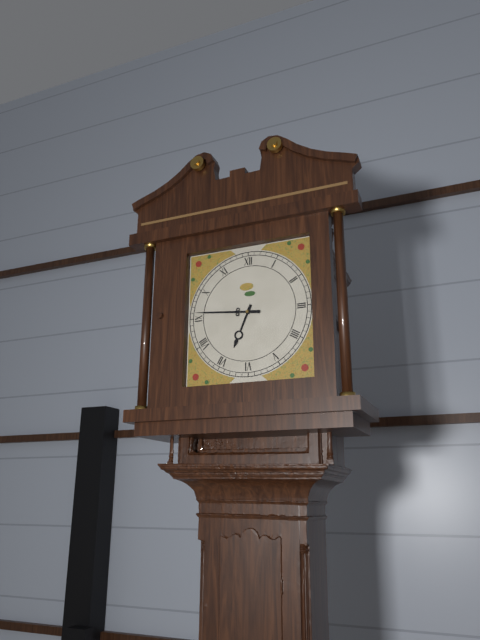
6:46
